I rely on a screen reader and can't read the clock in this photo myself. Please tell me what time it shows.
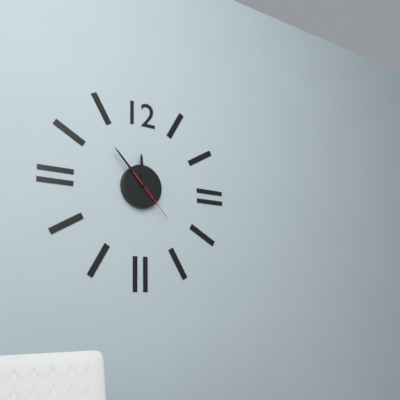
11:53:23
